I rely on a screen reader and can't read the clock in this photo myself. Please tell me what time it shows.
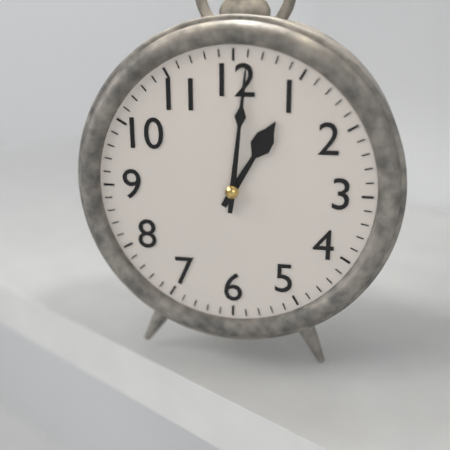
1:01
